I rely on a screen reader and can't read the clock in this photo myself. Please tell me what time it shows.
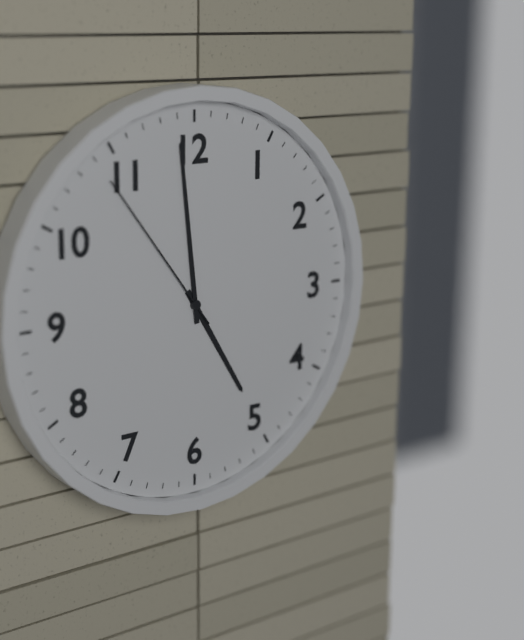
4:59:54
